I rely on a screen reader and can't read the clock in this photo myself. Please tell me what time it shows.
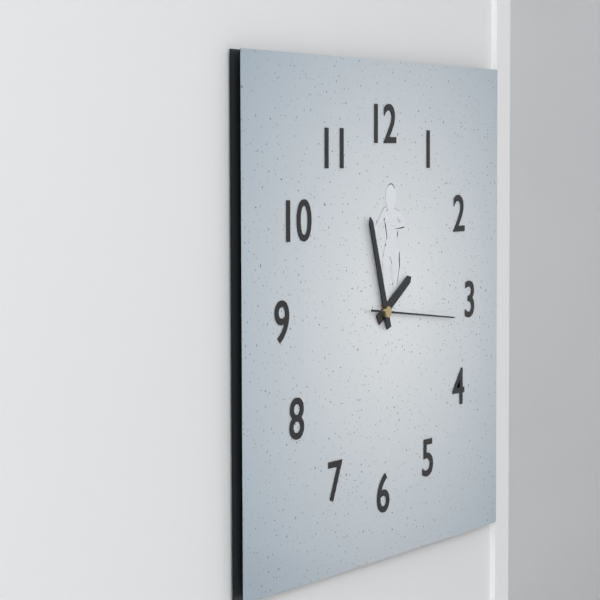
1:57:16
